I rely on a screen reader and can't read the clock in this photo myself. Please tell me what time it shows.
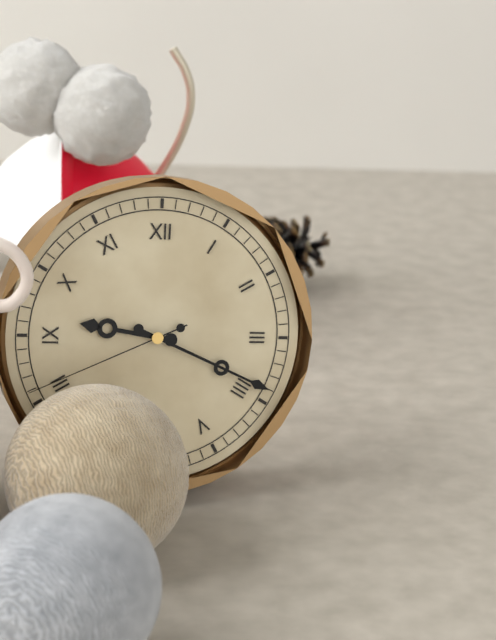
9:19:41
